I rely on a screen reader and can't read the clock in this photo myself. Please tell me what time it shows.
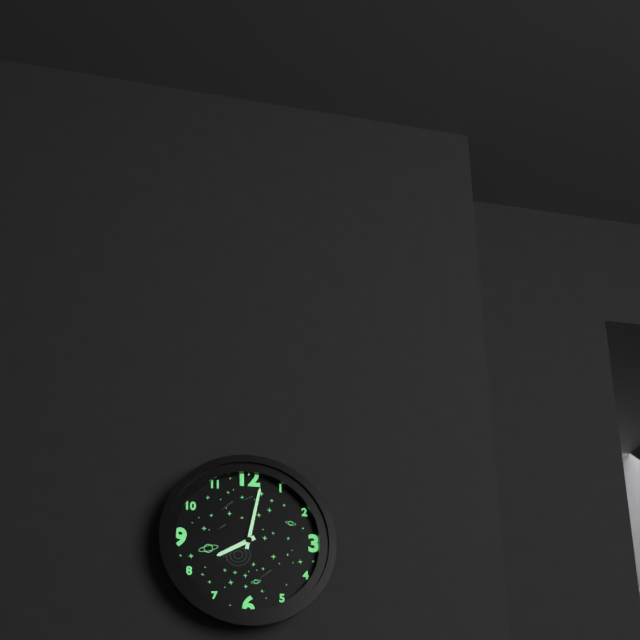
8:02
